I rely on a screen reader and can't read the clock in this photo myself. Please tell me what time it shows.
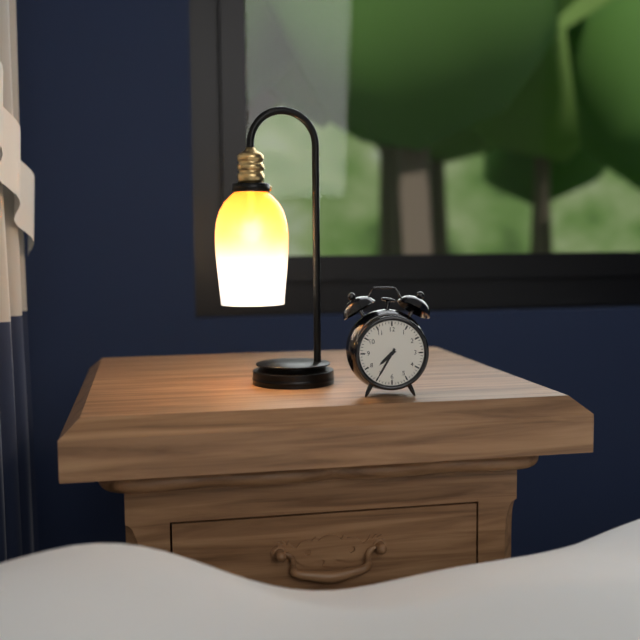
7:35
